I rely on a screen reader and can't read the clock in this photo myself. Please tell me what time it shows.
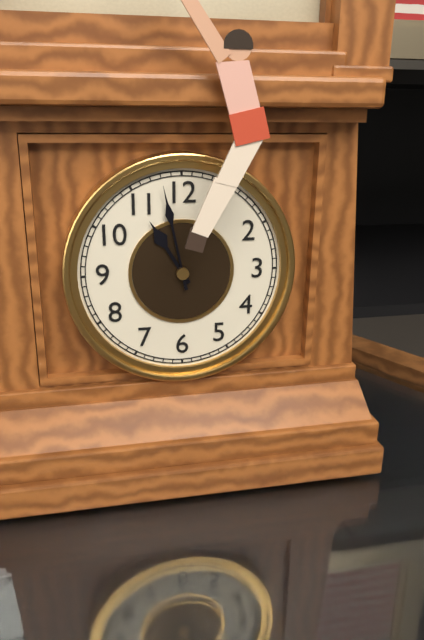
10:58
